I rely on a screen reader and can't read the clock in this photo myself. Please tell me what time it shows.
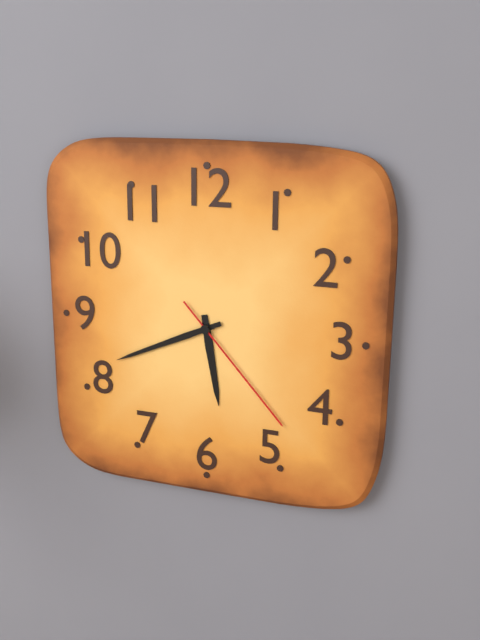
5:41:23
